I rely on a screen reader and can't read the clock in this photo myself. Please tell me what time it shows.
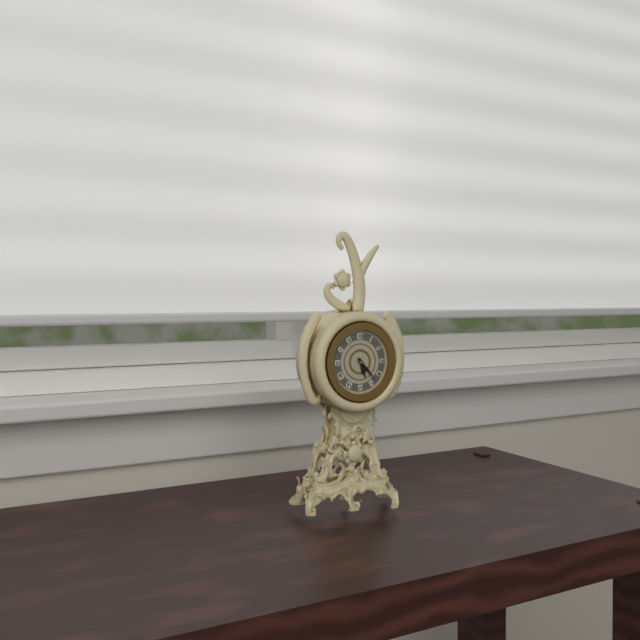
5:23
